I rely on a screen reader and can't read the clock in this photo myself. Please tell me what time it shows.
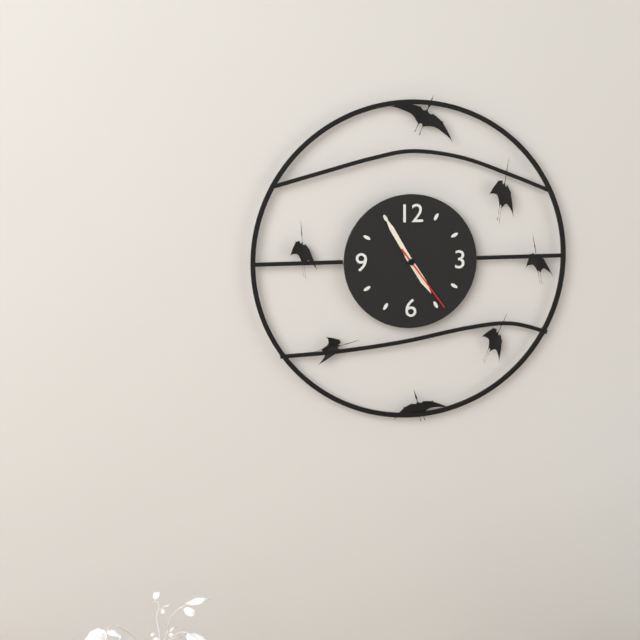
4:55:24
